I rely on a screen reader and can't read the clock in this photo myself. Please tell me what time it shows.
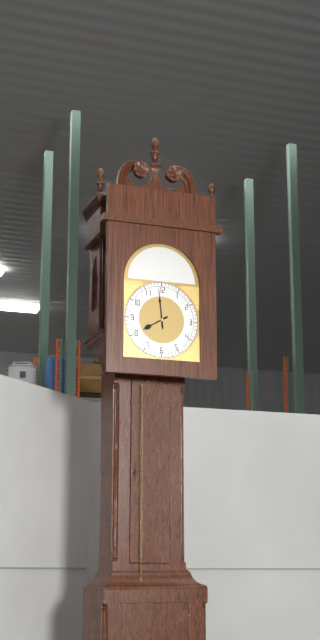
7:59
